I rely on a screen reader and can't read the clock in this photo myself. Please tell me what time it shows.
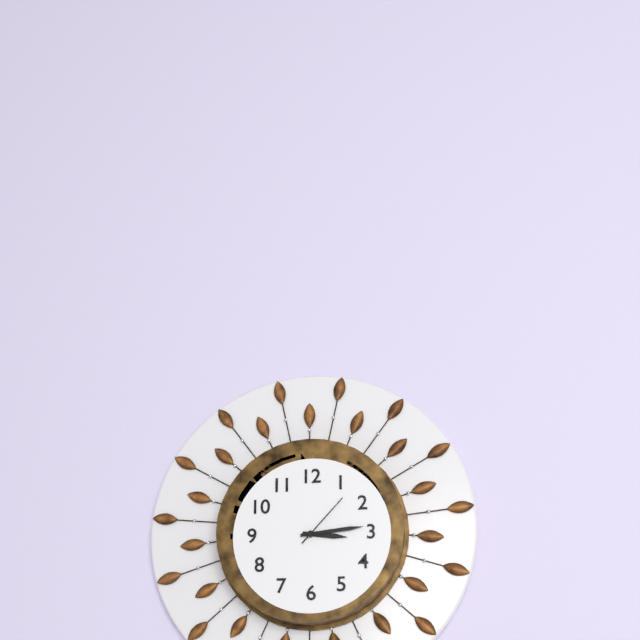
3:14:07
